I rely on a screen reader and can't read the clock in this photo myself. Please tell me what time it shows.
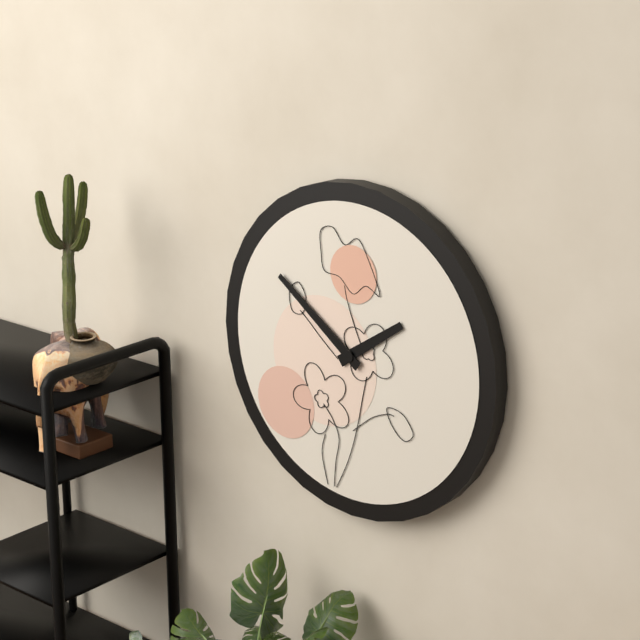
1:51
